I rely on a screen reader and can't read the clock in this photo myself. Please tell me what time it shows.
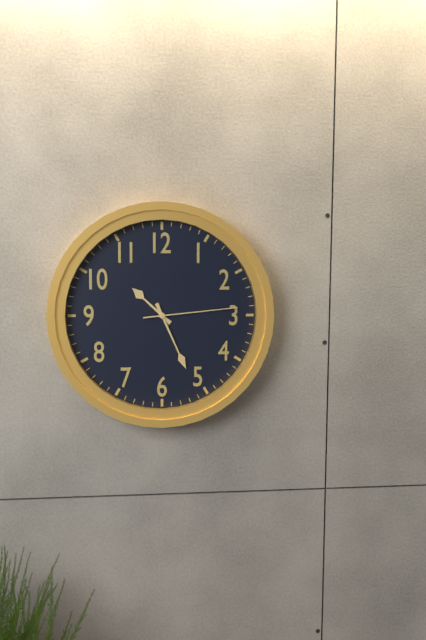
10:26:14
